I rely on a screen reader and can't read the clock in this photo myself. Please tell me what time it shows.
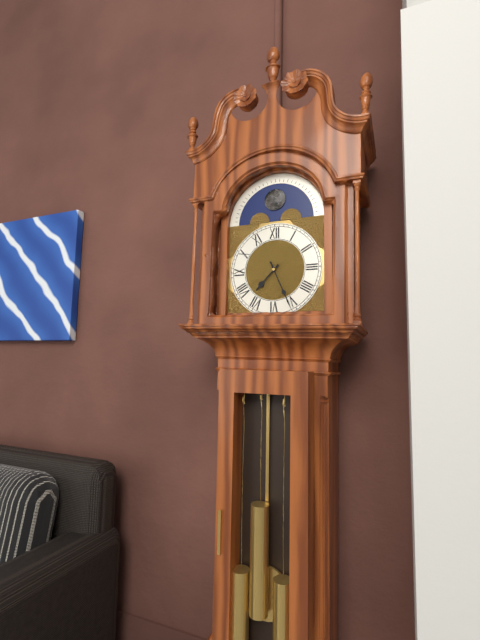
7:26
